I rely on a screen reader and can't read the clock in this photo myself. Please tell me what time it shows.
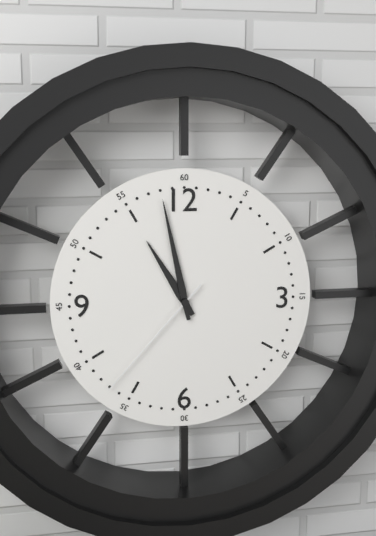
10:58:37
